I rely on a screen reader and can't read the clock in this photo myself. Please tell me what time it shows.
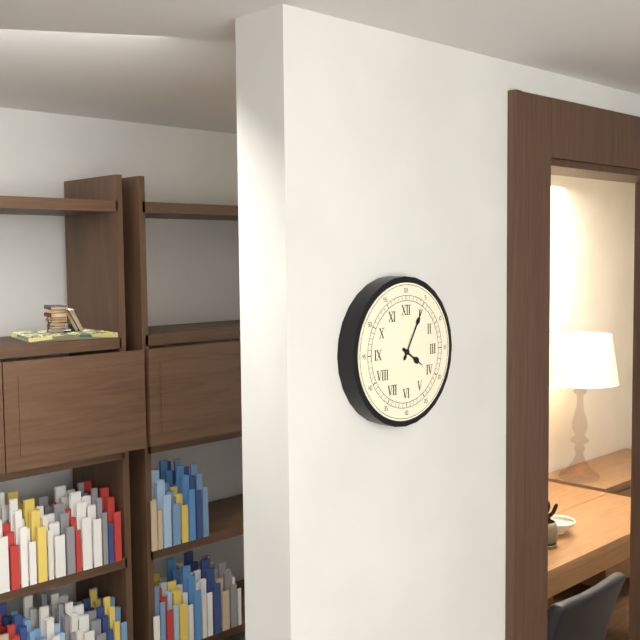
4:05
